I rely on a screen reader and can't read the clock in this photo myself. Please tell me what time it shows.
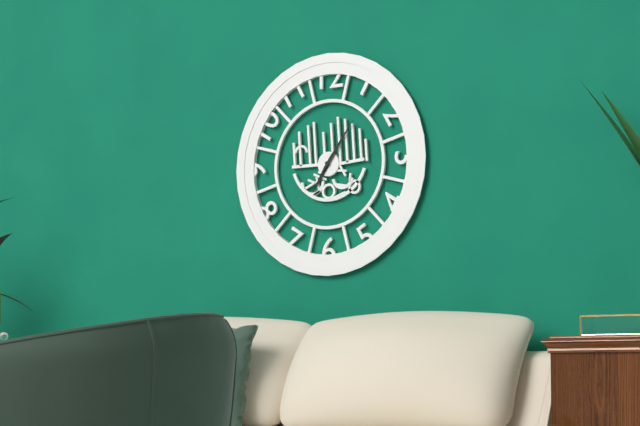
7:06
